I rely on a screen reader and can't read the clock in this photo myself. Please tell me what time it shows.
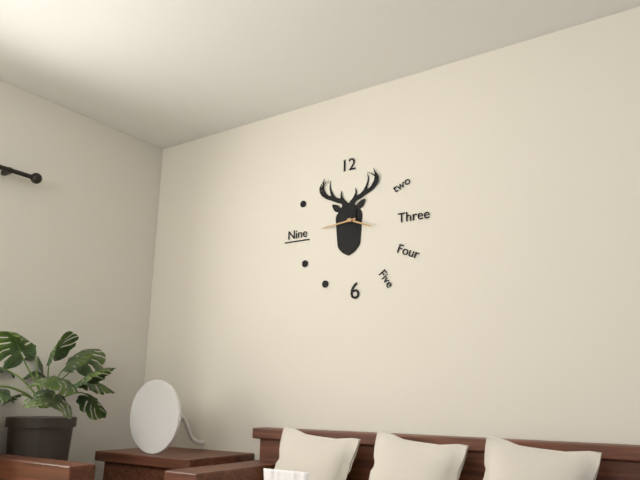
3:44
